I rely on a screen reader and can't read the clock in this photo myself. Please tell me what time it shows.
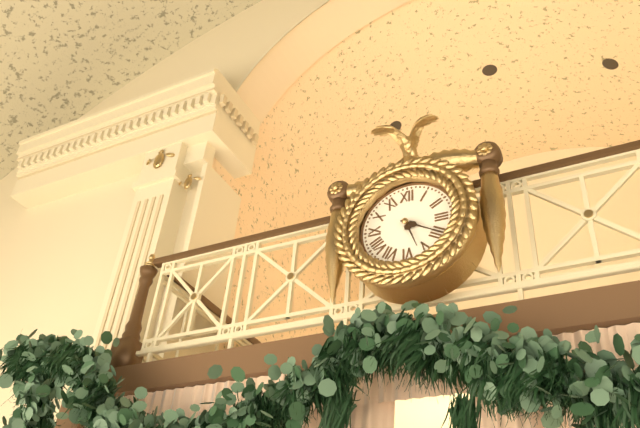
5:20
